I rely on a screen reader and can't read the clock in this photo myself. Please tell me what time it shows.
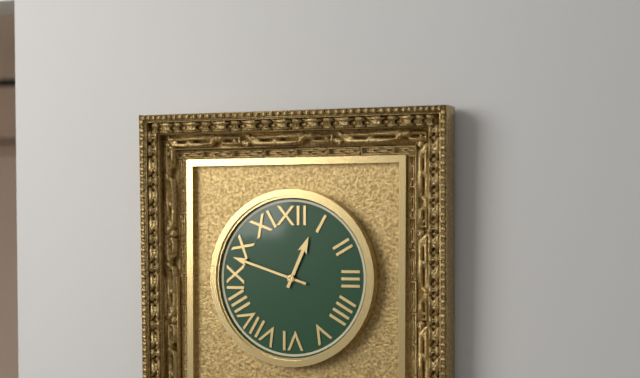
12:48
